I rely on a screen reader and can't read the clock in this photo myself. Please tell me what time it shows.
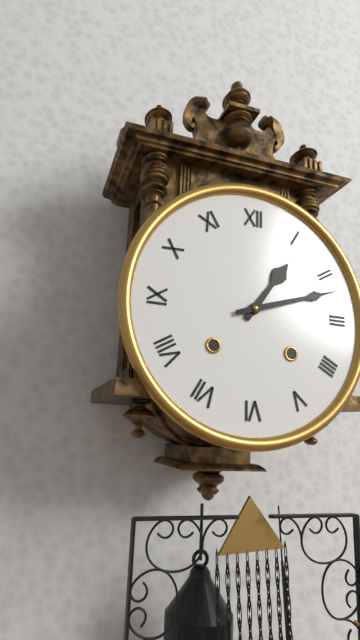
1:12
